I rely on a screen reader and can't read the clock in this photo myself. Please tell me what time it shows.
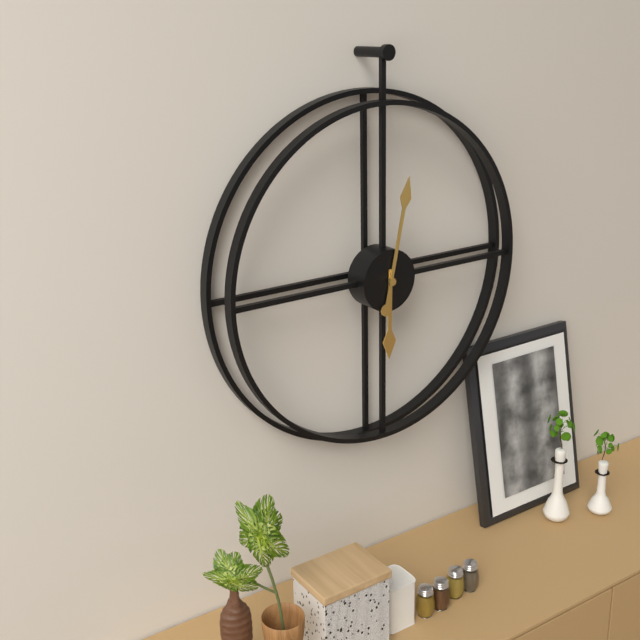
6:02
